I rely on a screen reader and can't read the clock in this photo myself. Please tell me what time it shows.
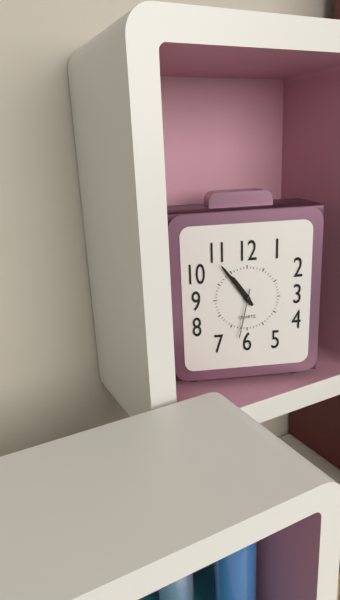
10:54:32
